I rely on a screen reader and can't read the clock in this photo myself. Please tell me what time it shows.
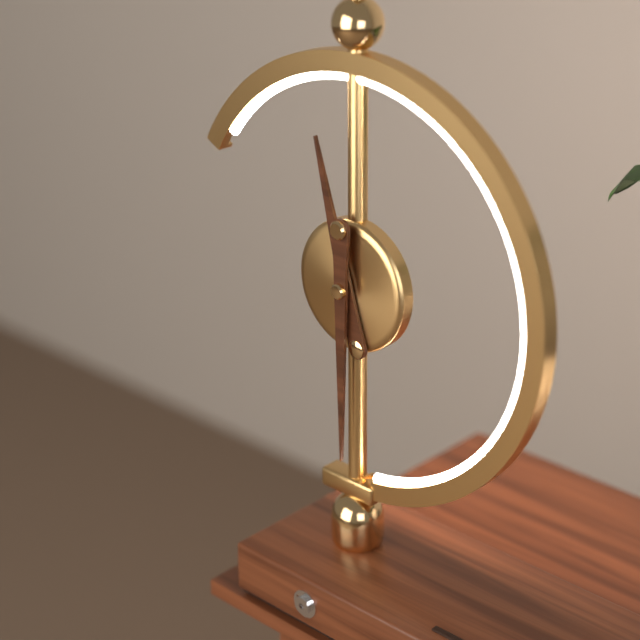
11:30
